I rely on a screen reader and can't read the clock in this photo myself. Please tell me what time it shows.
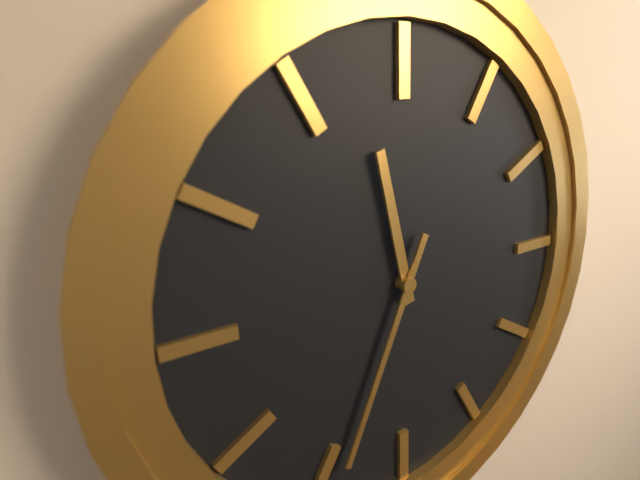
11:34
